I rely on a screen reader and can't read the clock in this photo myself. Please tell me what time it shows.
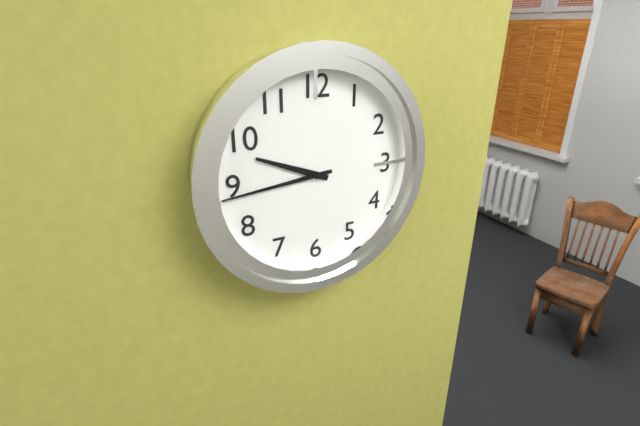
9:44
